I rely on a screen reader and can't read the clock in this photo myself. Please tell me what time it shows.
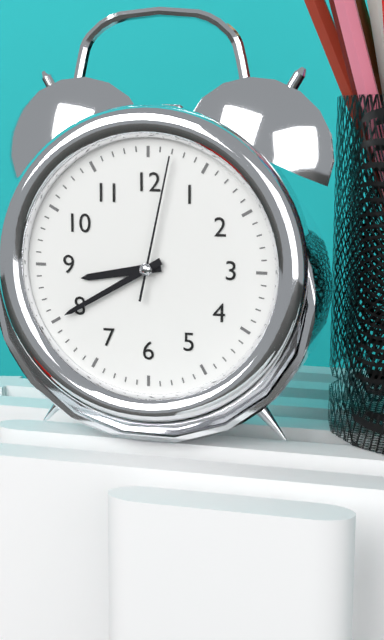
8:40:02
